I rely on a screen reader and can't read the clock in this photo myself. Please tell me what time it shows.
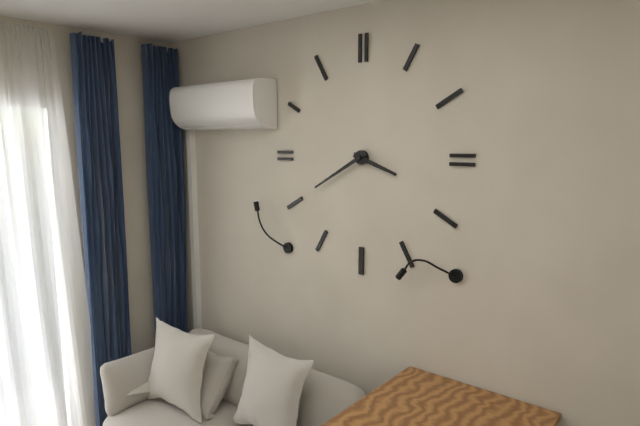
3:40
